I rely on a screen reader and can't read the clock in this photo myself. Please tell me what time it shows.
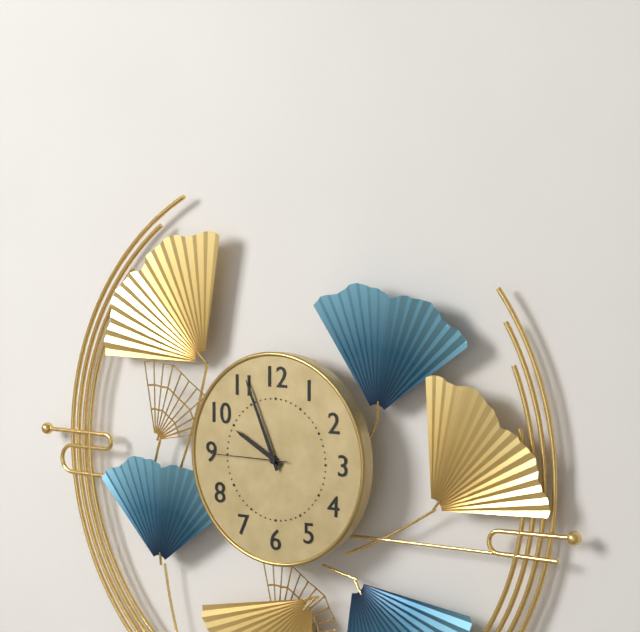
9:56:45
